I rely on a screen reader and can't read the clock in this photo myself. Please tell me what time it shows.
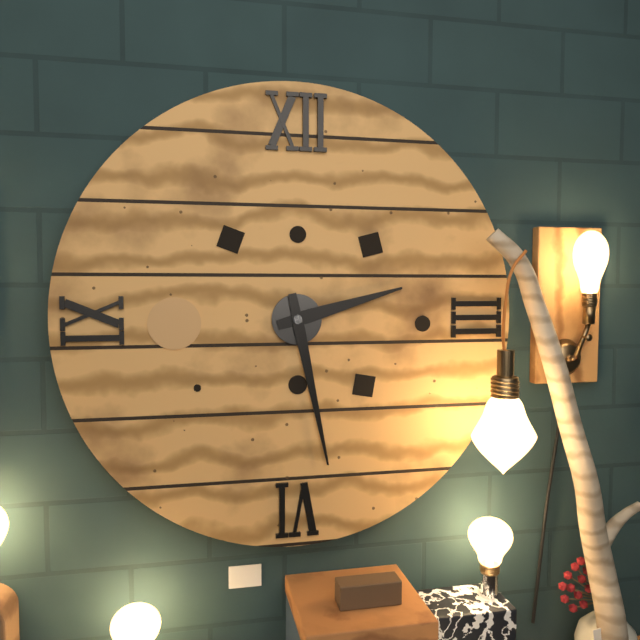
2:28
